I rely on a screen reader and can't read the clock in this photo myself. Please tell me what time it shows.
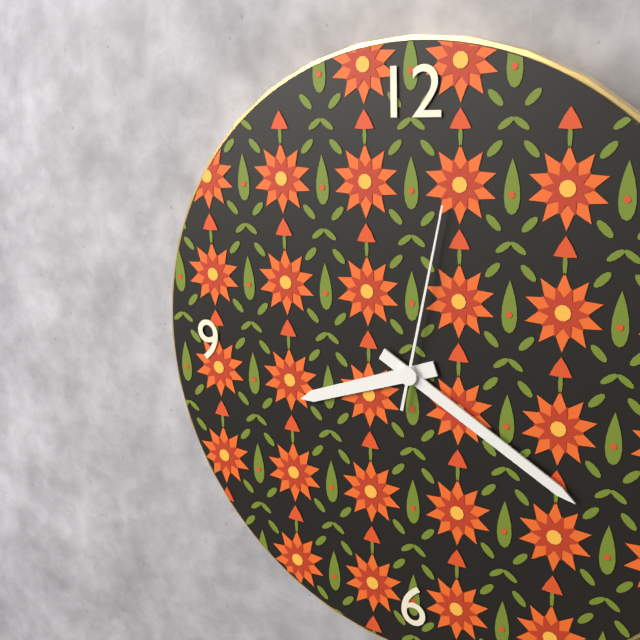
8:20:02
